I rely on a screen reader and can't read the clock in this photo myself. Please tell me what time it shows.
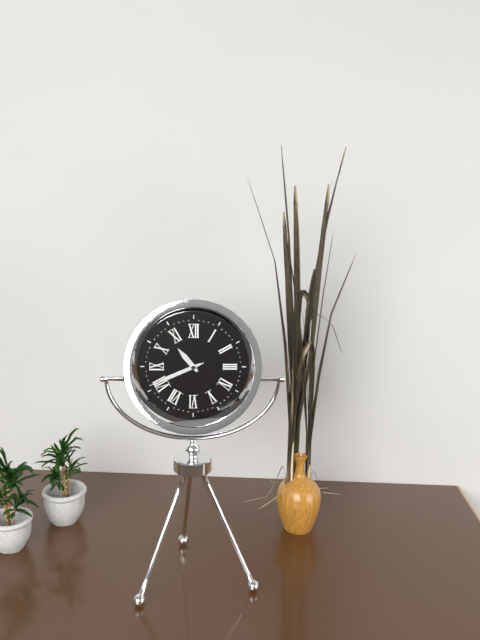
10:41:41
